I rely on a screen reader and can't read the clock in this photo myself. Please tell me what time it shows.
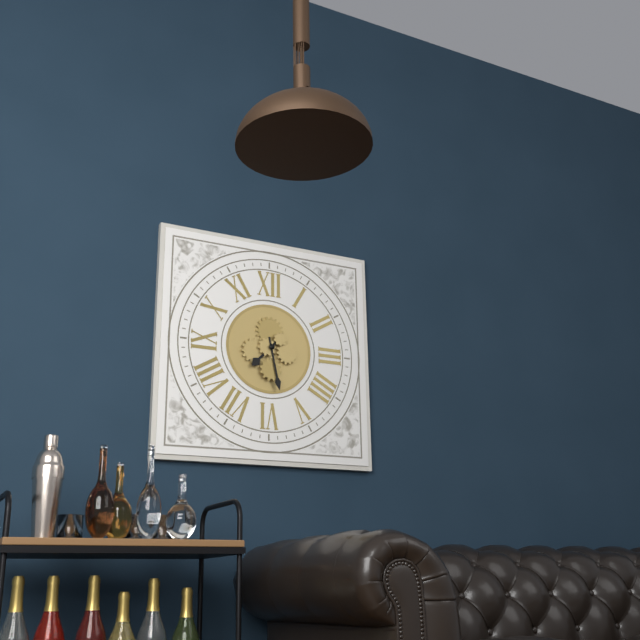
7:28
